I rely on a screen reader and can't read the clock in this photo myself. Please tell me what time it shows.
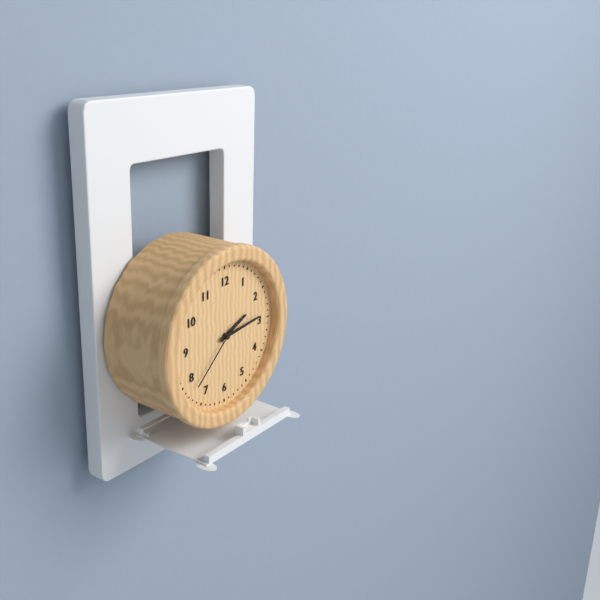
2:14:38
